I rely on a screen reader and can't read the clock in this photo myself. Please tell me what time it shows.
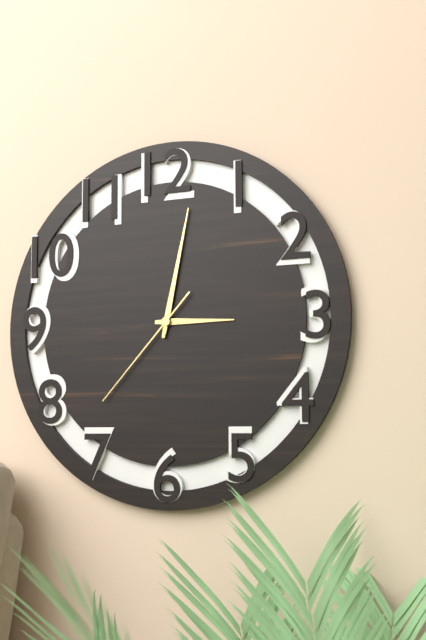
3:02:37
